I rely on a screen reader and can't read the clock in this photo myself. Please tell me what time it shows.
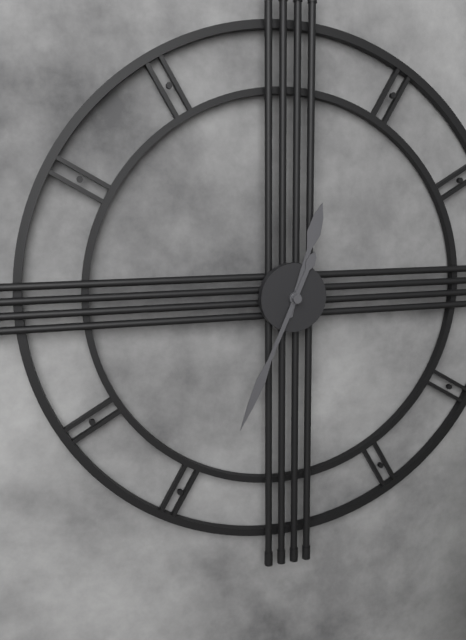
12:34
